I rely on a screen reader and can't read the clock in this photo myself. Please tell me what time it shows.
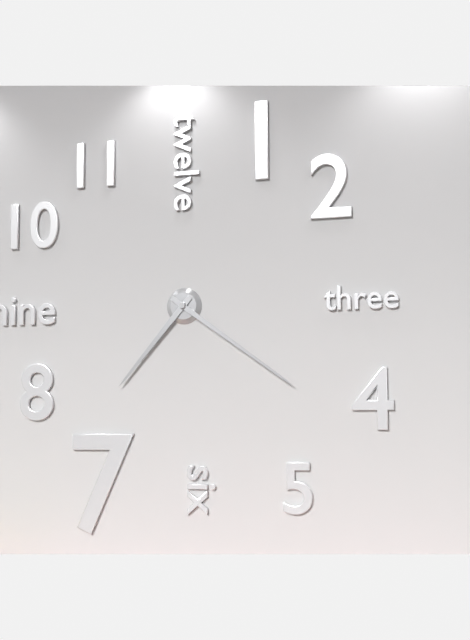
7:21
